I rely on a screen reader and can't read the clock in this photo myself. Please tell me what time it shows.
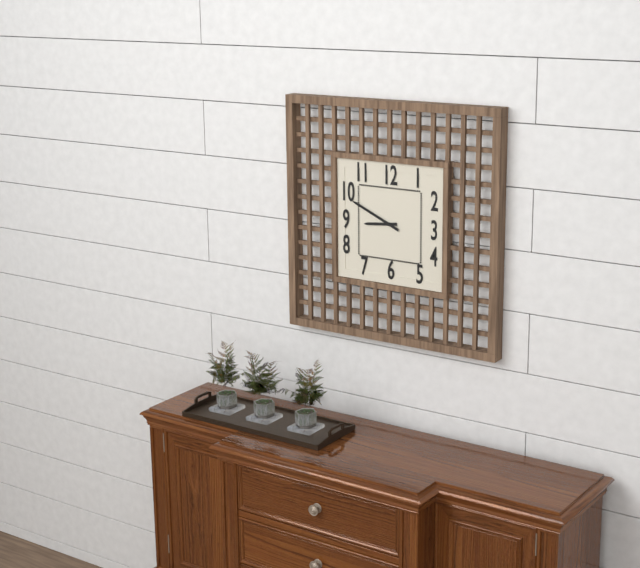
8:49
